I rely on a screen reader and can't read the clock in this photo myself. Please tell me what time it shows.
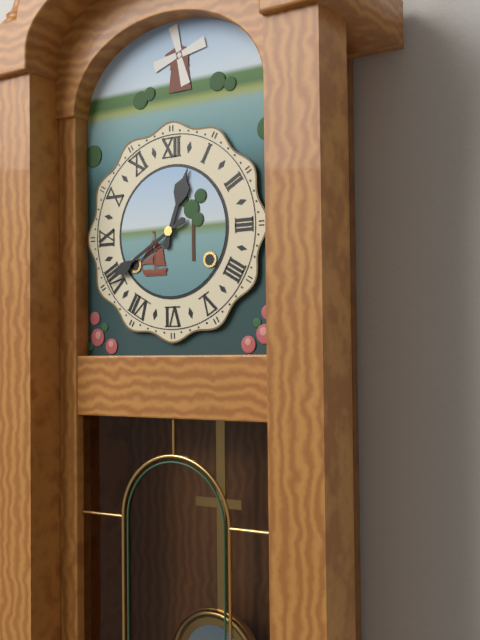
12:40
